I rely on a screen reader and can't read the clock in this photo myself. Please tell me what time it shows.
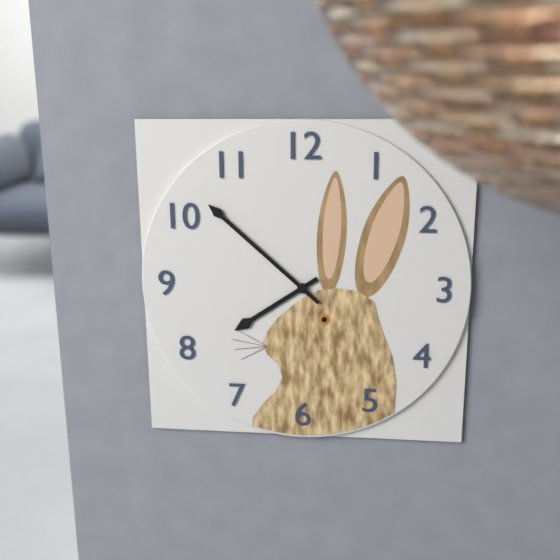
7:52
